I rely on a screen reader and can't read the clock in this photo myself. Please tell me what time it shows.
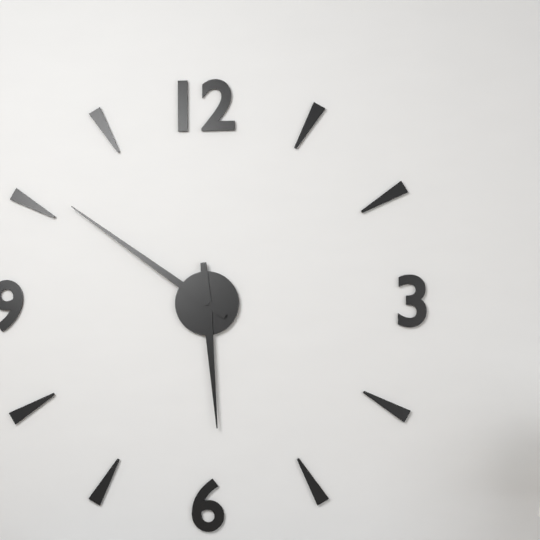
5:51
